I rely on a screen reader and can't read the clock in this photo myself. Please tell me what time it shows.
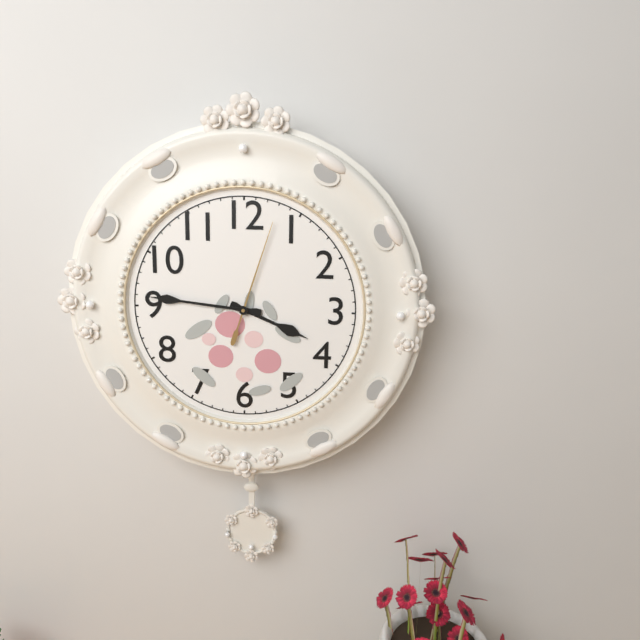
3:46:03
